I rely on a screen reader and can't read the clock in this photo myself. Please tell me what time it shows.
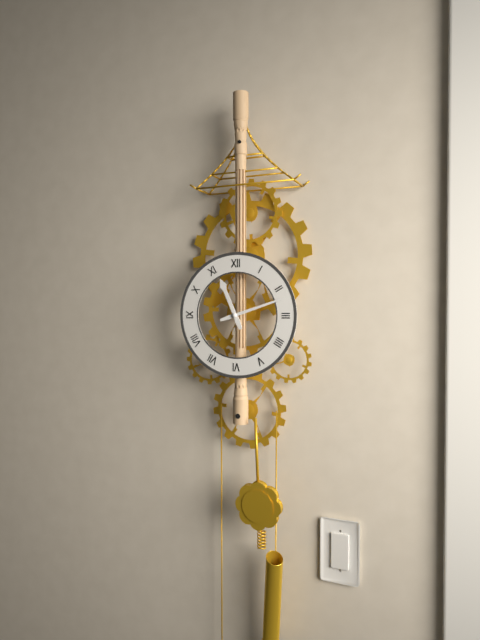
11:12
